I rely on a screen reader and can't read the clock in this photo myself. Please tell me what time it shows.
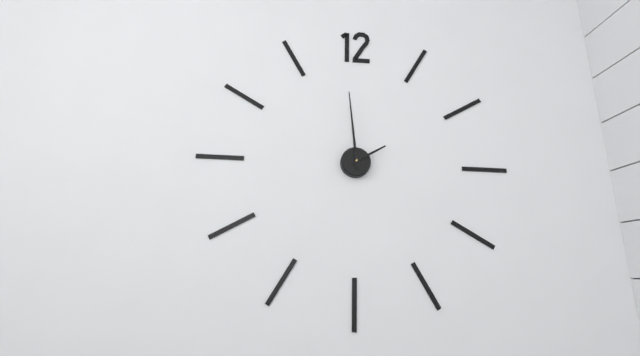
1:59
